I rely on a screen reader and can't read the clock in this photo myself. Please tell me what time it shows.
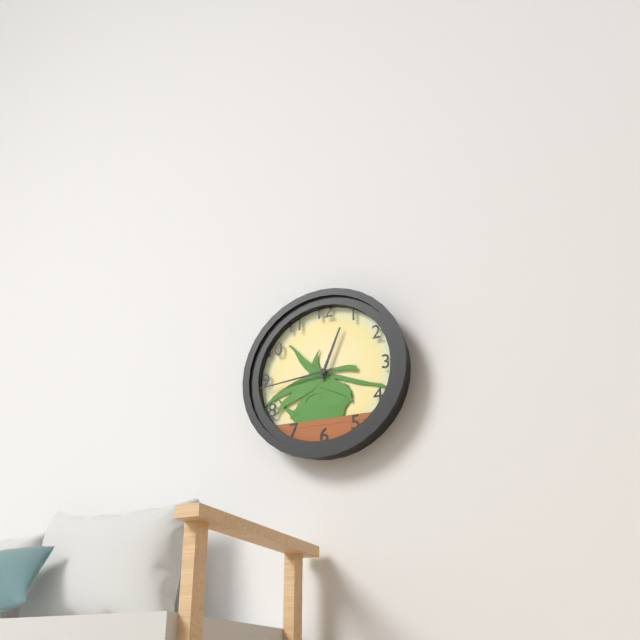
12:44
